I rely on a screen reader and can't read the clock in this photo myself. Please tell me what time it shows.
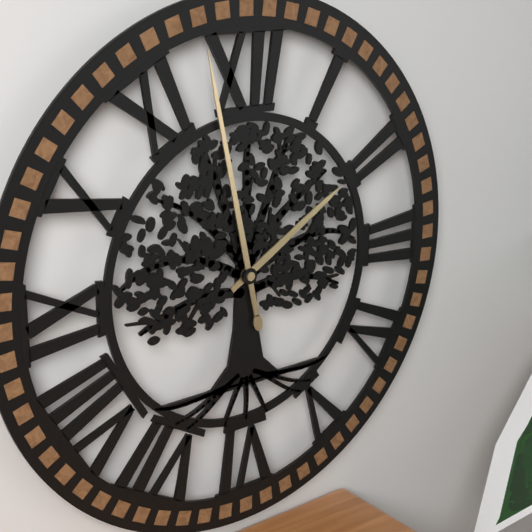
1:58
